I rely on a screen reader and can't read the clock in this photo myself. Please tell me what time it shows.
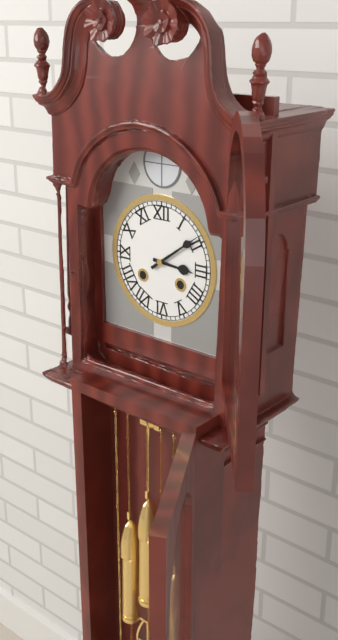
3:09
